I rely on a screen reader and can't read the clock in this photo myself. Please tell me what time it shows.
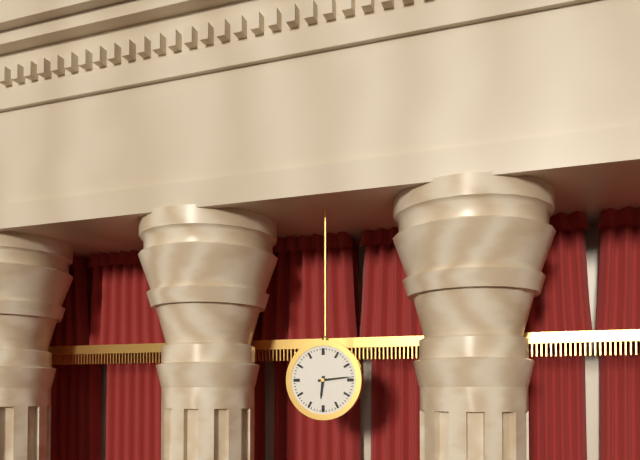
6:14
